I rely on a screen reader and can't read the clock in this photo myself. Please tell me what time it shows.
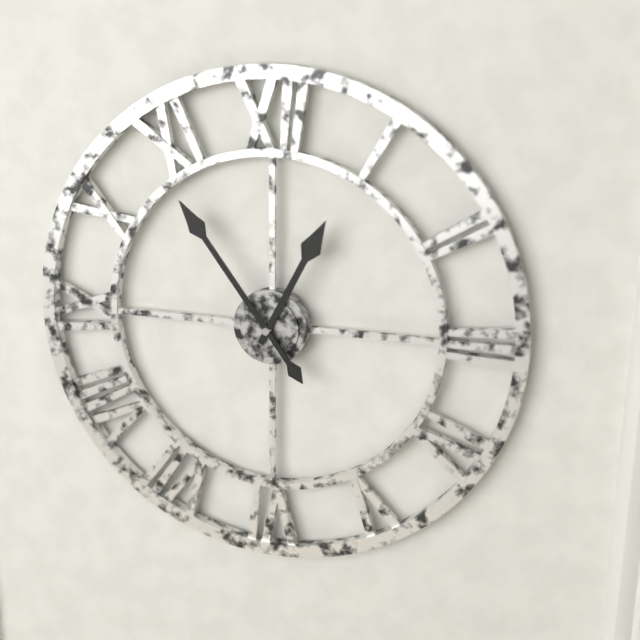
12:54
